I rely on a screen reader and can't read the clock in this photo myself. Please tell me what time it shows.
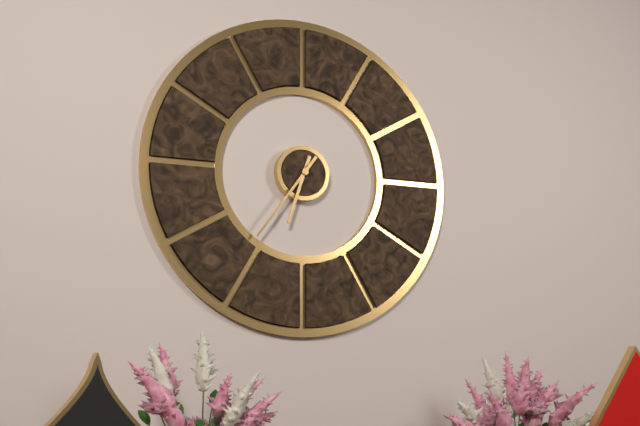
6:36
